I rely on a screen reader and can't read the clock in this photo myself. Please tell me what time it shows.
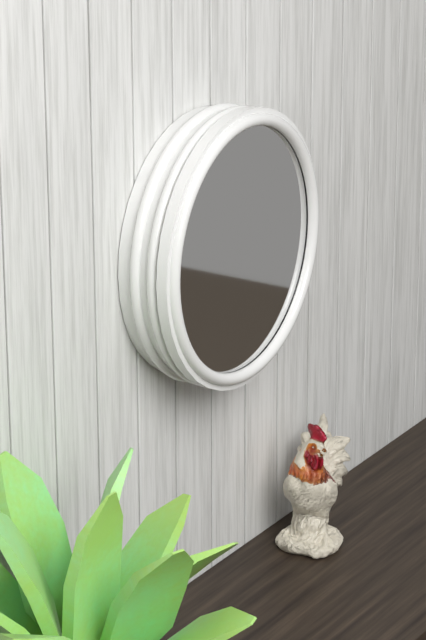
12:30:27
